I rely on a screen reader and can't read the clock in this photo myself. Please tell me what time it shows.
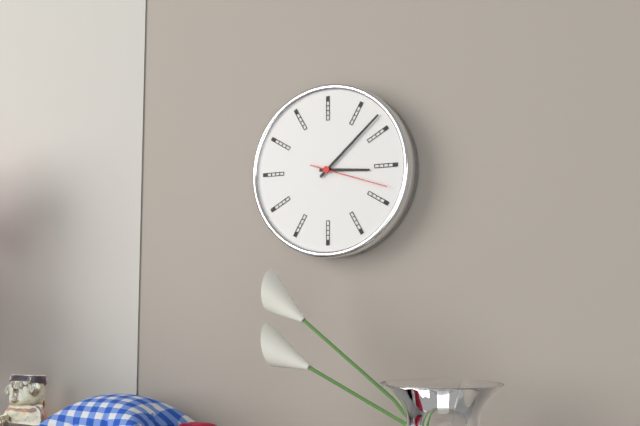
3:08:18
